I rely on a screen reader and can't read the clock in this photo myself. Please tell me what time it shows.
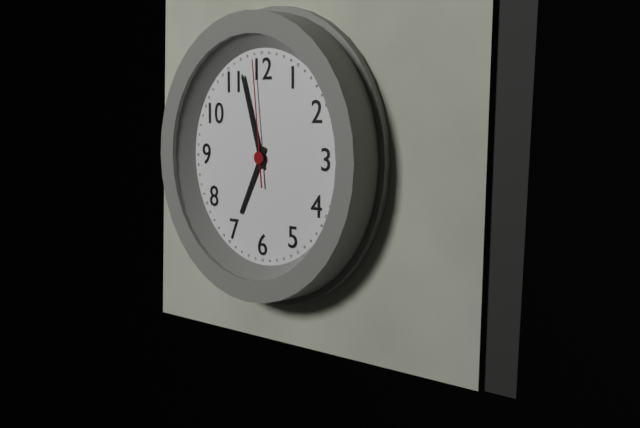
6:57:59
